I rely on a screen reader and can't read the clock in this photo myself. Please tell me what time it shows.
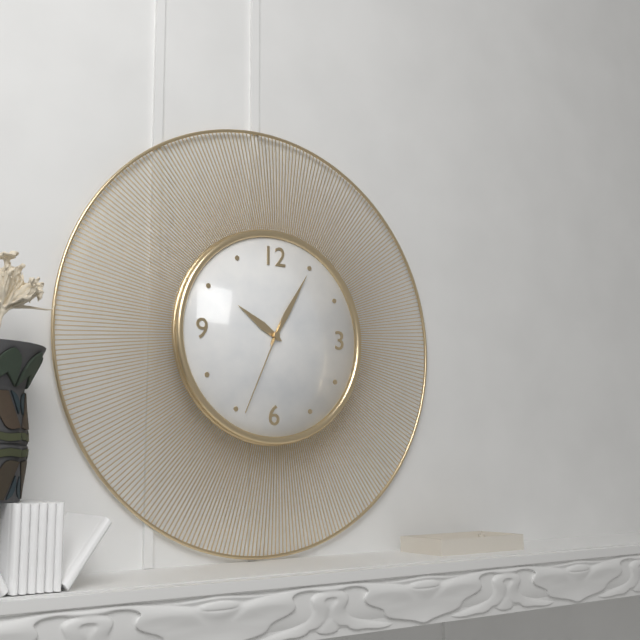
10:05:34
